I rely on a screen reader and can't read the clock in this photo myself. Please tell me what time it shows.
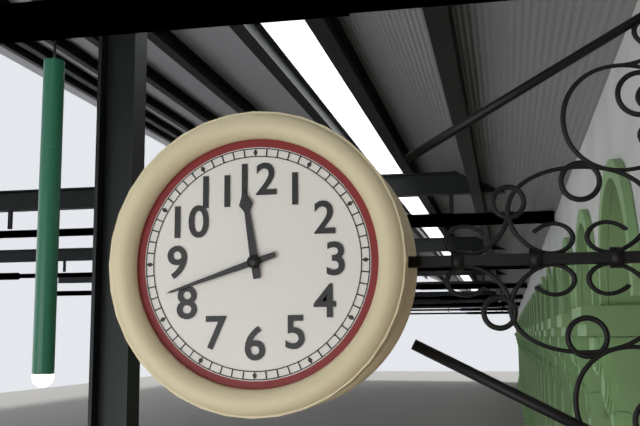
11:42
